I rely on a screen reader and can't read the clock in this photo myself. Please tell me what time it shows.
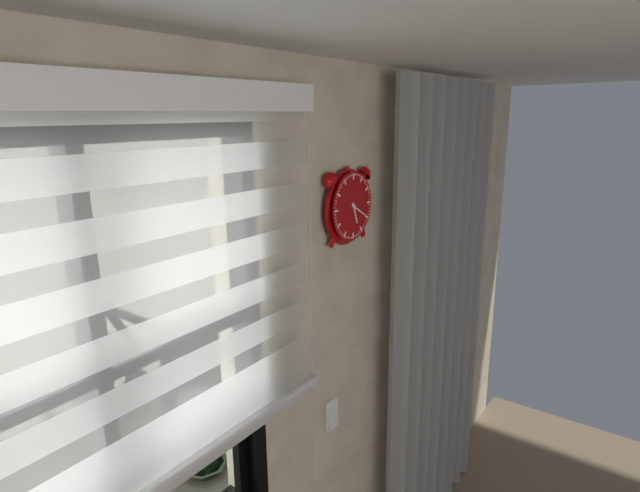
5:20
